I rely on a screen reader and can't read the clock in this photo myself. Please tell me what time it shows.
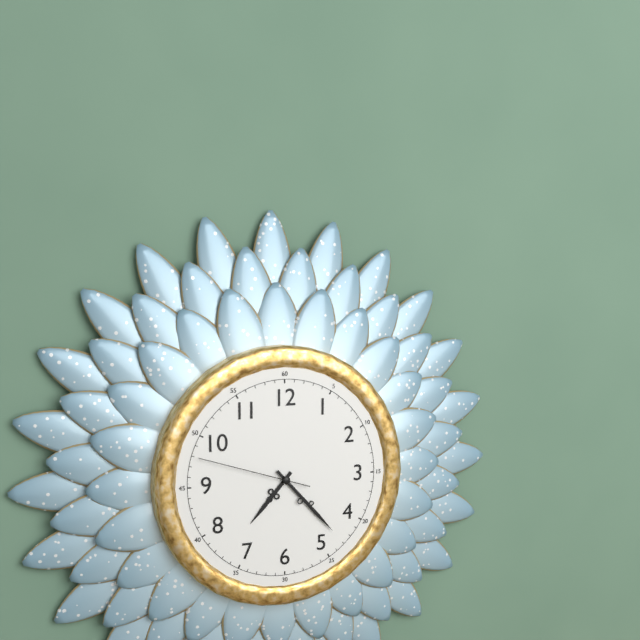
7:23:48
